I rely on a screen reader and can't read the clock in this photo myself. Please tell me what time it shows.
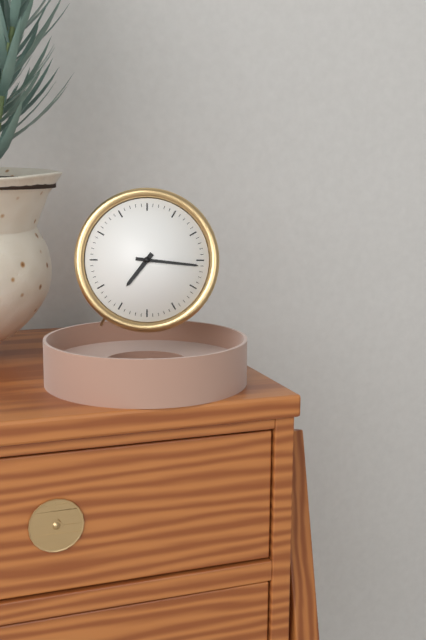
7:16
